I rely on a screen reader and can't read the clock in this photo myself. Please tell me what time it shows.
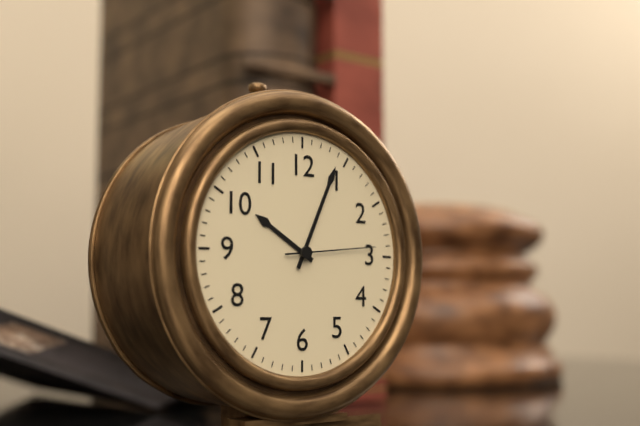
10:04:14
